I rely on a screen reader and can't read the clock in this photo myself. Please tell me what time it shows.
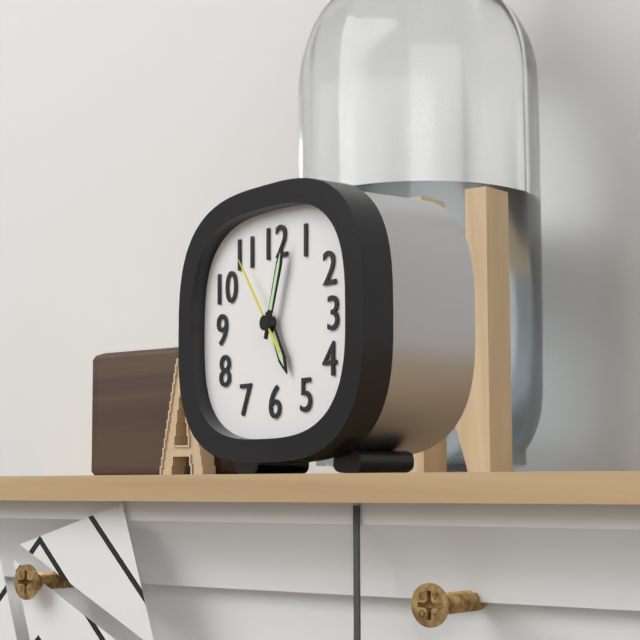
5:03:54
